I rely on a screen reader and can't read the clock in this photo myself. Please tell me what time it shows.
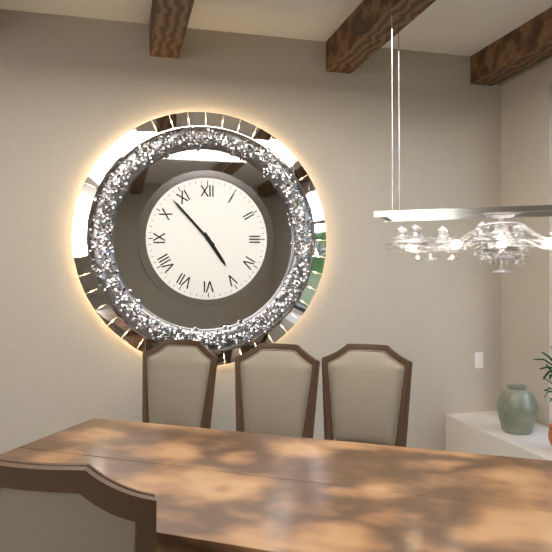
4:53
